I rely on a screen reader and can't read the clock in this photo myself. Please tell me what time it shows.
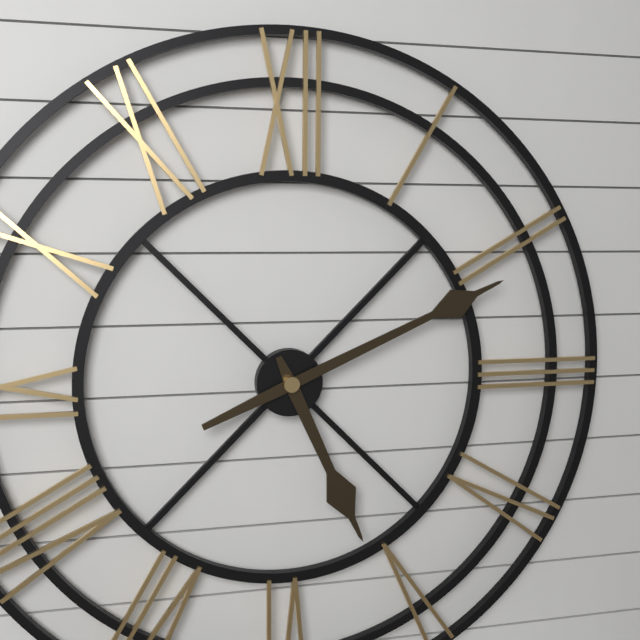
5:11
